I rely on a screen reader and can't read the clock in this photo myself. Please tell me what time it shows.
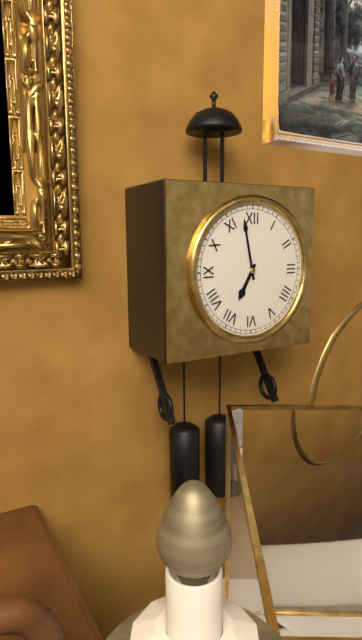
6:58
